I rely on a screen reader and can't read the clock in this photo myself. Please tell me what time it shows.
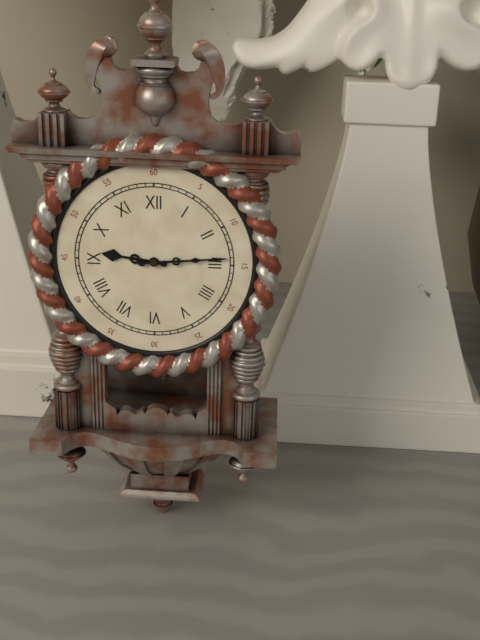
9:14
